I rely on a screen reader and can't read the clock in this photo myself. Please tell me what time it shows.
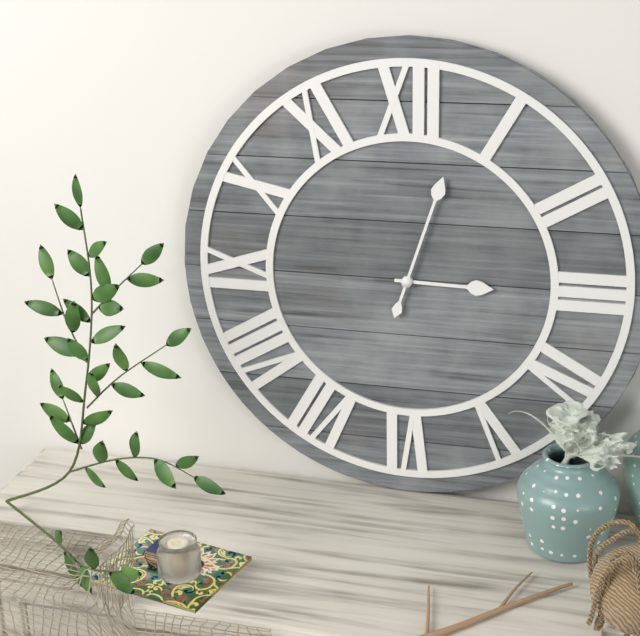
3:03
